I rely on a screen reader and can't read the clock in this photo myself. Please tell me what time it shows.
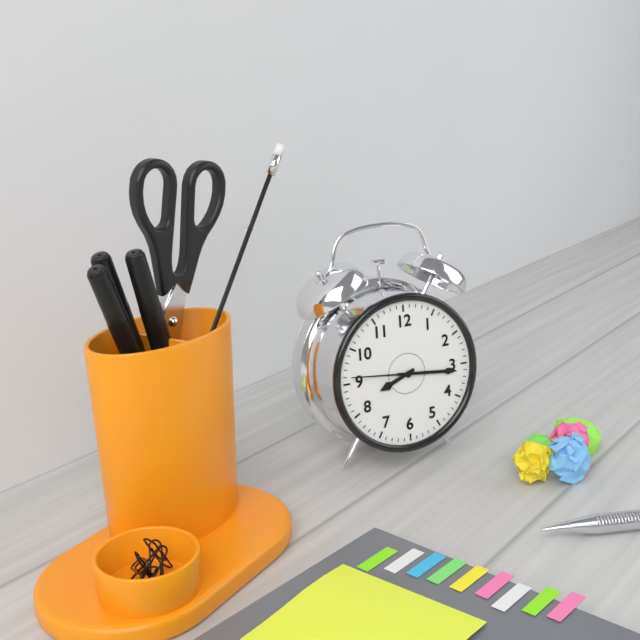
8:16:46
